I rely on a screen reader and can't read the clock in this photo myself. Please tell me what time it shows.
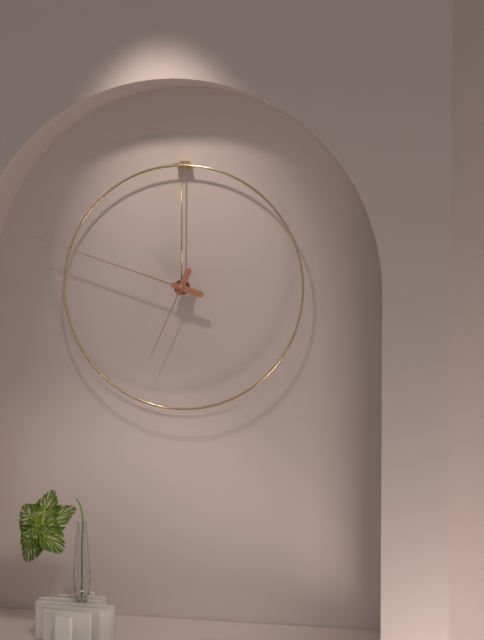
6:48
